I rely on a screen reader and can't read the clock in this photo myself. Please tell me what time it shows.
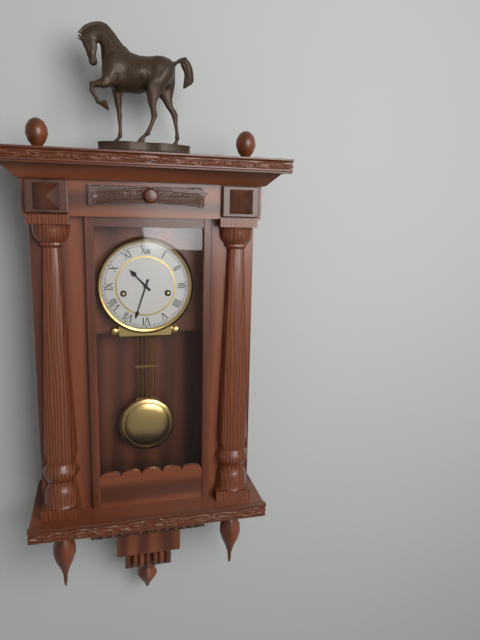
10:33
